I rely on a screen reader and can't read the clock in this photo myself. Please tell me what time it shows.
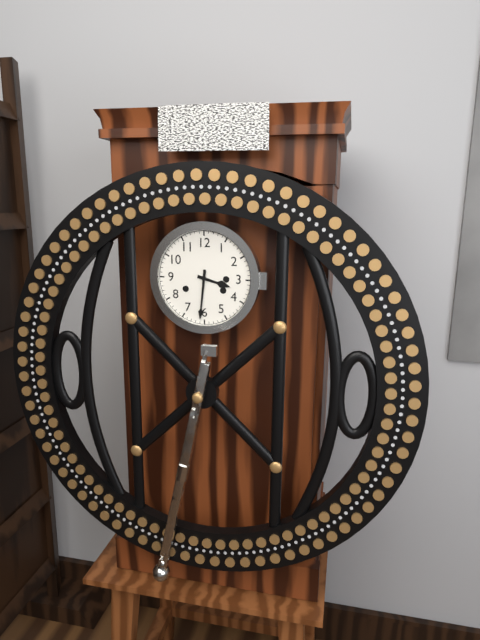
3:31
